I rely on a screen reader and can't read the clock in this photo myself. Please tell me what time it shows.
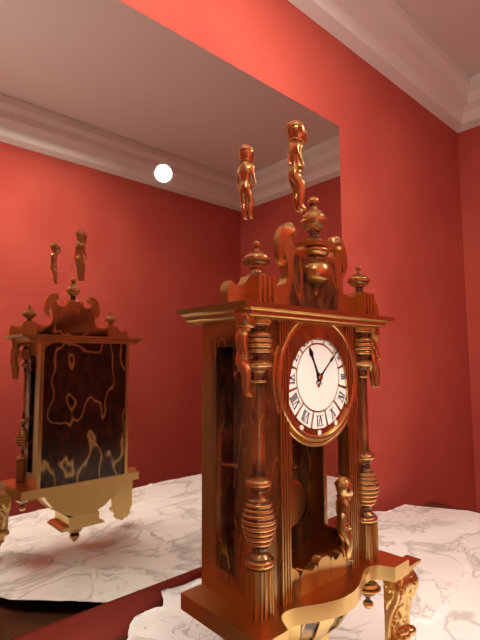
11:08
